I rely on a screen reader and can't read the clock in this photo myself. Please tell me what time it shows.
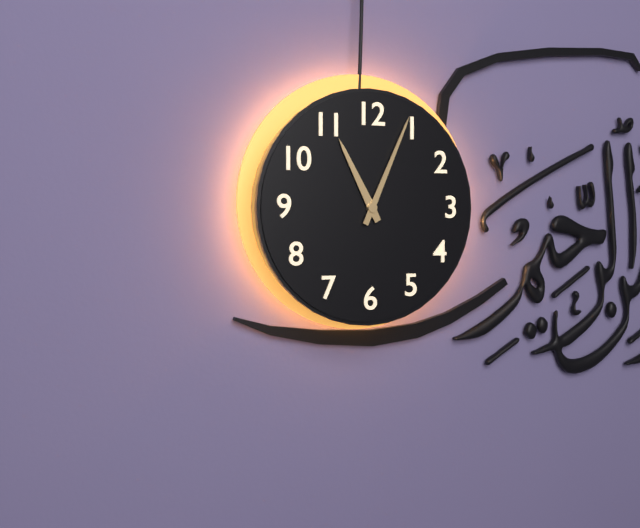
11:04
